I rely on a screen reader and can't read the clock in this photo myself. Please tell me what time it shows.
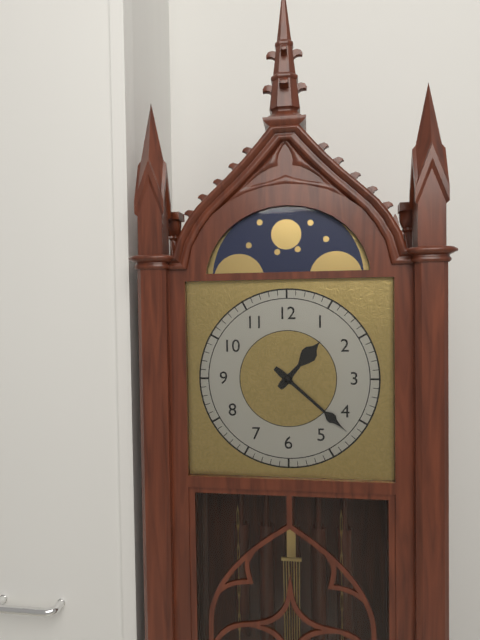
1:22
